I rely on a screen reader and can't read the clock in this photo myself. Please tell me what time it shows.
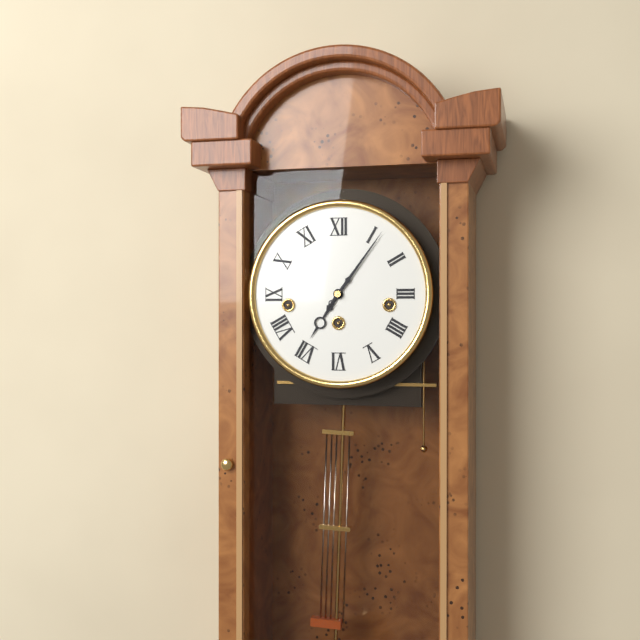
7:06
